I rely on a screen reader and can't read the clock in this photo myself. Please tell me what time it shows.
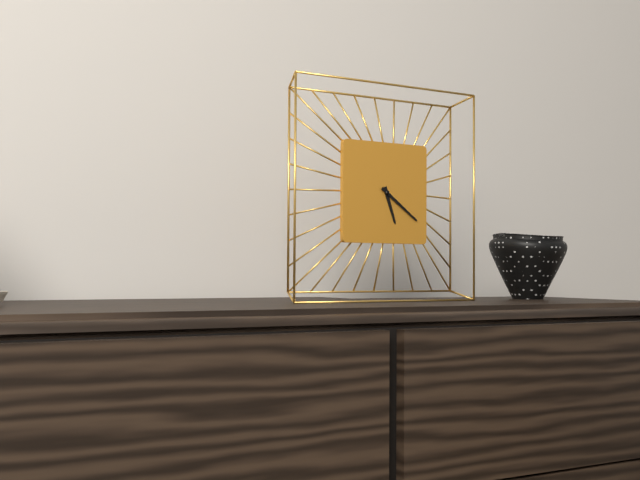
5:21
